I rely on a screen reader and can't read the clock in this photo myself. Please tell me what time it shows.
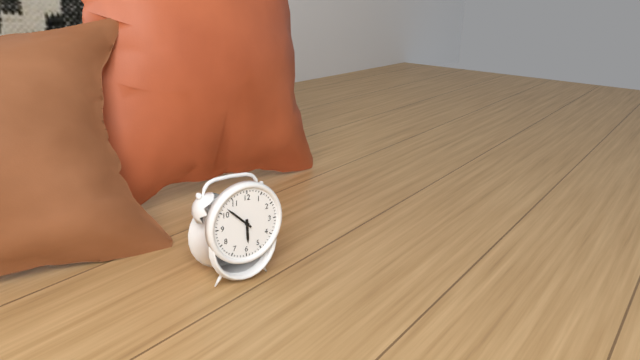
5:52
